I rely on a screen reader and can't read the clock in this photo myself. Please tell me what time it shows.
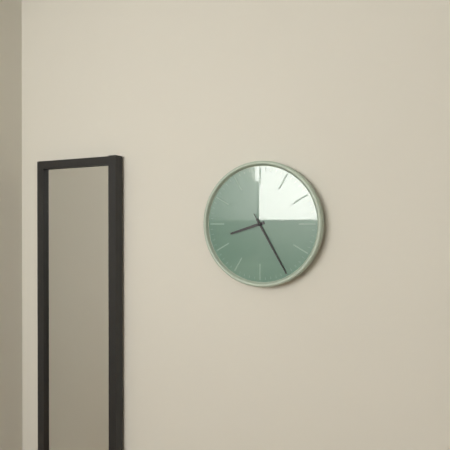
8:25:25
